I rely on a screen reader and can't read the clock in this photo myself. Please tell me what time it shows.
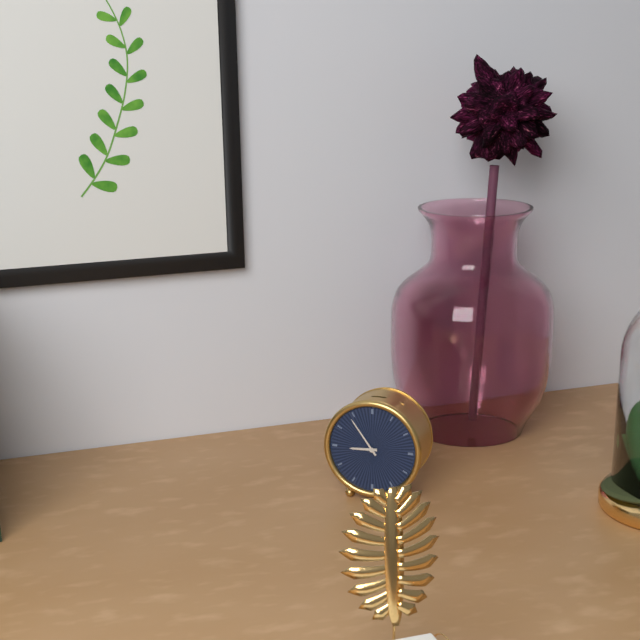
8:54
